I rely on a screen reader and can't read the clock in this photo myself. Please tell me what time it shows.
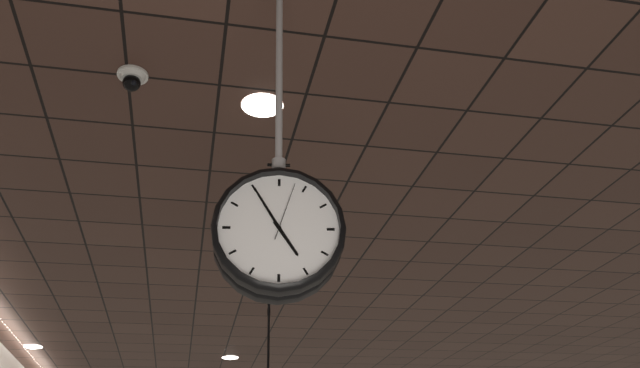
4:55:03
